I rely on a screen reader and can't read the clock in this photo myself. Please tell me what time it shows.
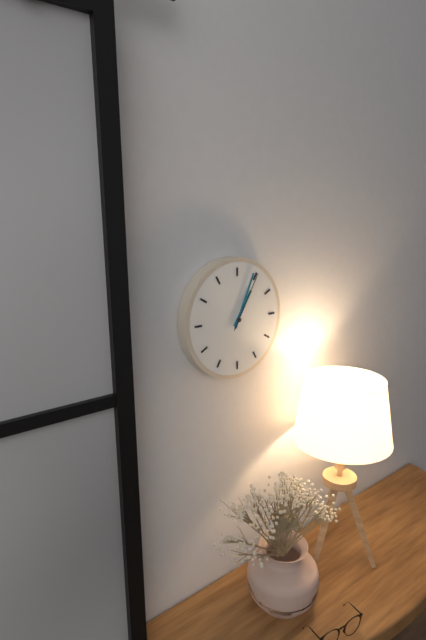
1:04:05
